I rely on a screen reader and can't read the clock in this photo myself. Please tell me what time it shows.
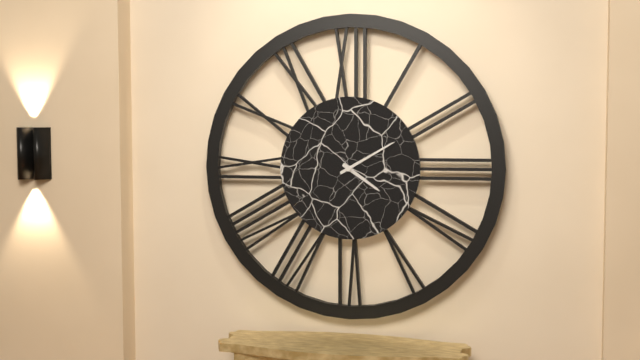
4:10
